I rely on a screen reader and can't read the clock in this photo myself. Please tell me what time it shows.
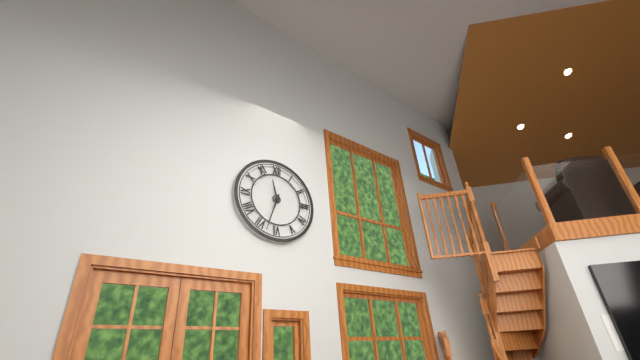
11:33
